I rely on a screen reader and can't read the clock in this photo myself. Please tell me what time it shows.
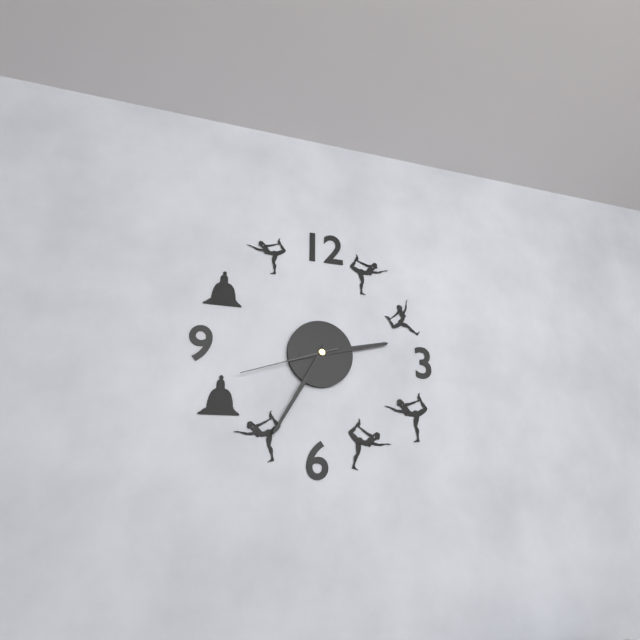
2:35:42
